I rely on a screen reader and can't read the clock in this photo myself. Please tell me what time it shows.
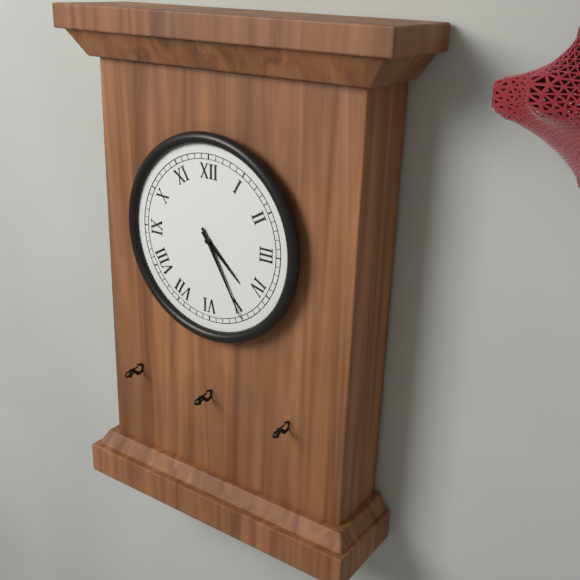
4:25
